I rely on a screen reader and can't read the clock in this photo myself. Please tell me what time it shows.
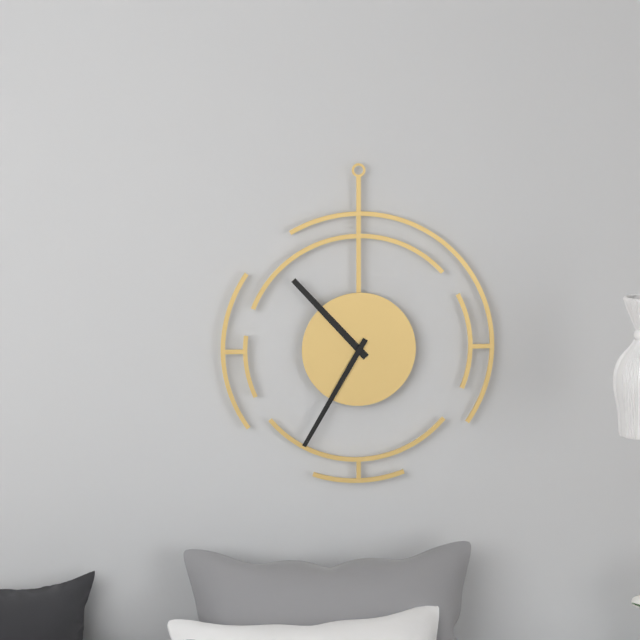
10:35
